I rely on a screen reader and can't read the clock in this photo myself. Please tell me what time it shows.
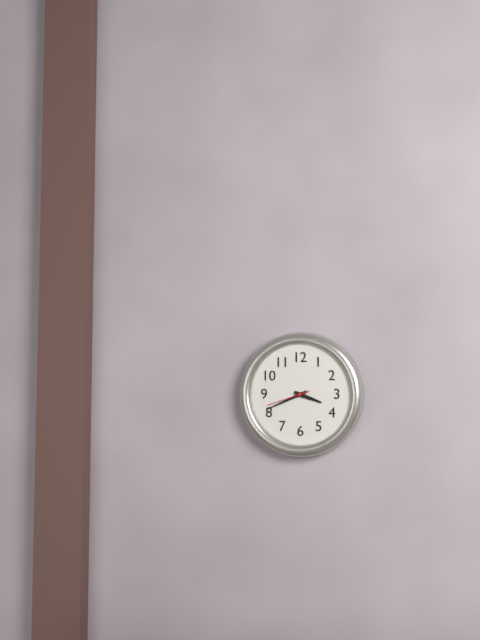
3:41
